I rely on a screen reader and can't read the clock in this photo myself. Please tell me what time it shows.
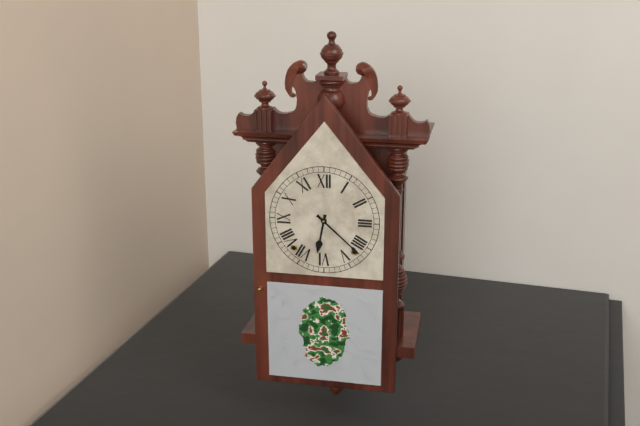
6:22
